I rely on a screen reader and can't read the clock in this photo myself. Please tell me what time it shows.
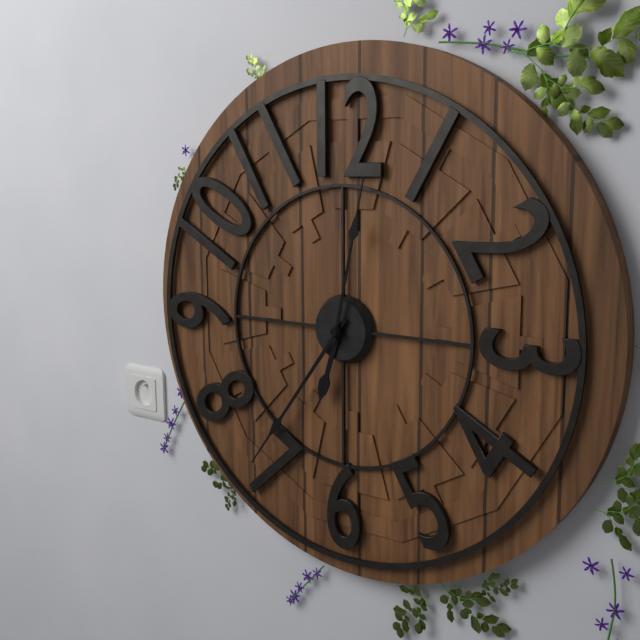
6:36:02
